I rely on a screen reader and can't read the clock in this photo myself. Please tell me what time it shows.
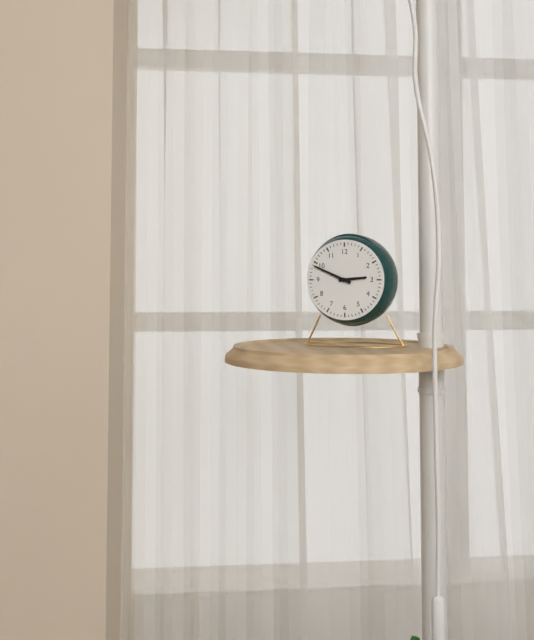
2:49
